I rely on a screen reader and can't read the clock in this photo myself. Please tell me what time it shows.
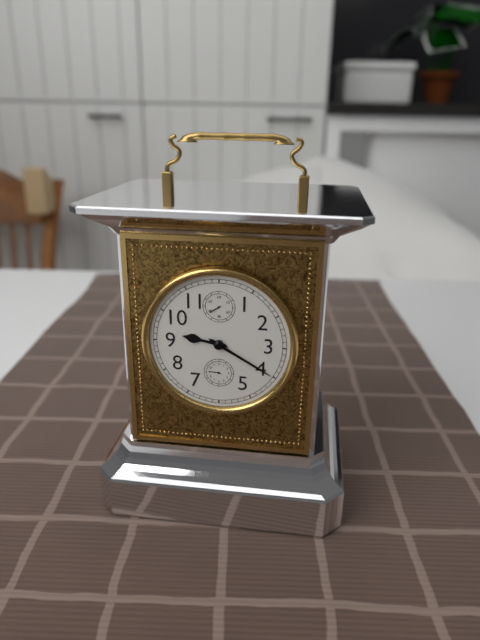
9:20
